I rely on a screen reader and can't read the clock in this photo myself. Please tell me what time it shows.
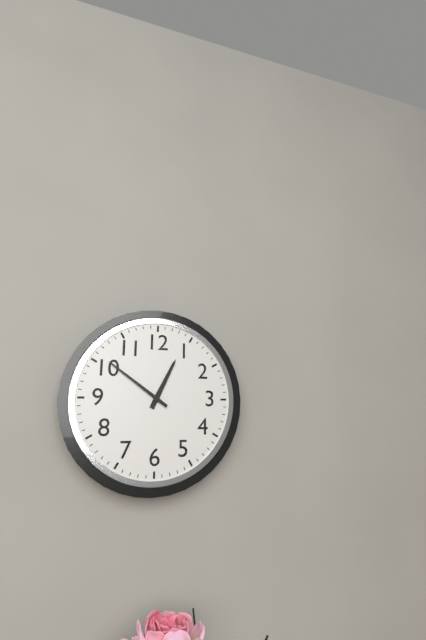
12:51
